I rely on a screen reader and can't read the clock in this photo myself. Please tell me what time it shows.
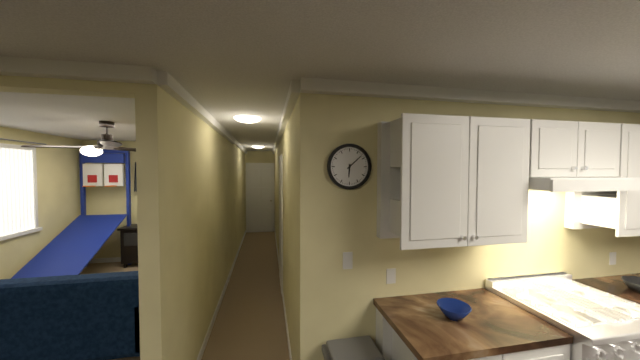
6:08
